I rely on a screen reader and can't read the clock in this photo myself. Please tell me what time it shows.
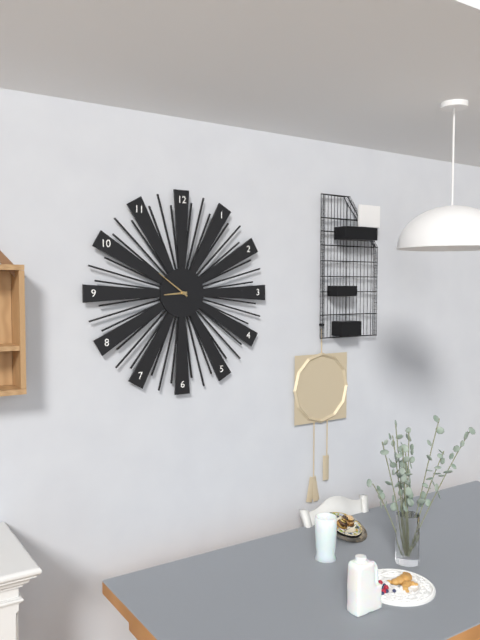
8:51
